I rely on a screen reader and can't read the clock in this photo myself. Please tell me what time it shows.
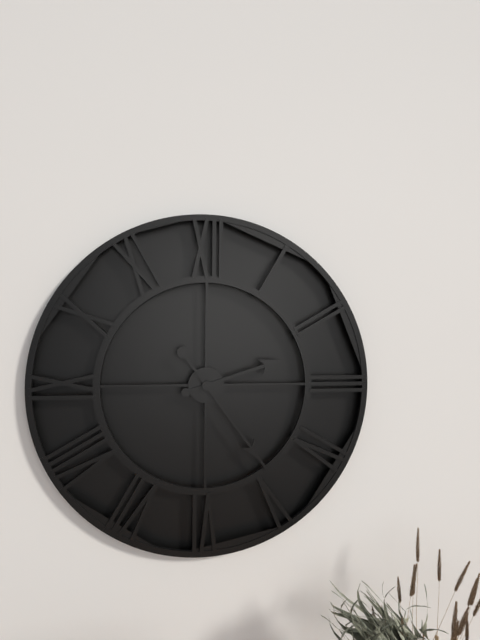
2:24
